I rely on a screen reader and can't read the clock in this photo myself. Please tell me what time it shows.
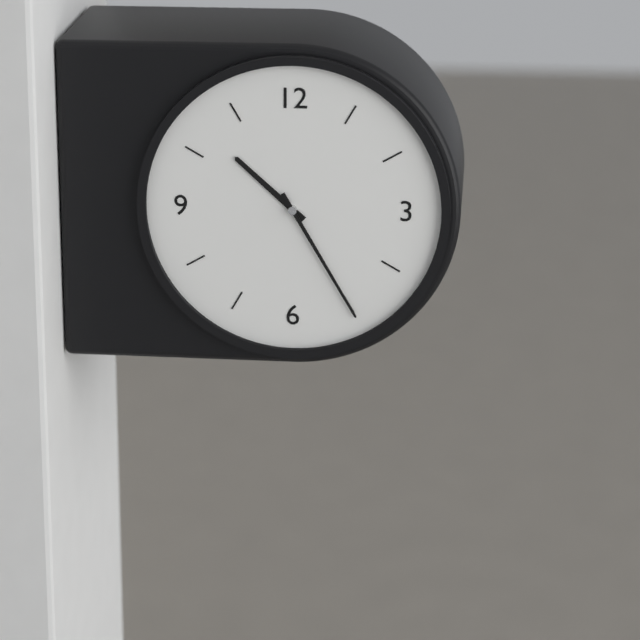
10:25
